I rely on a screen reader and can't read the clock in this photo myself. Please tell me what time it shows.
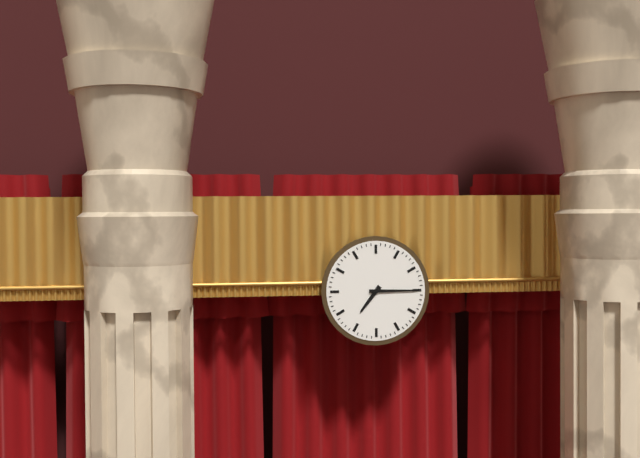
7:15
